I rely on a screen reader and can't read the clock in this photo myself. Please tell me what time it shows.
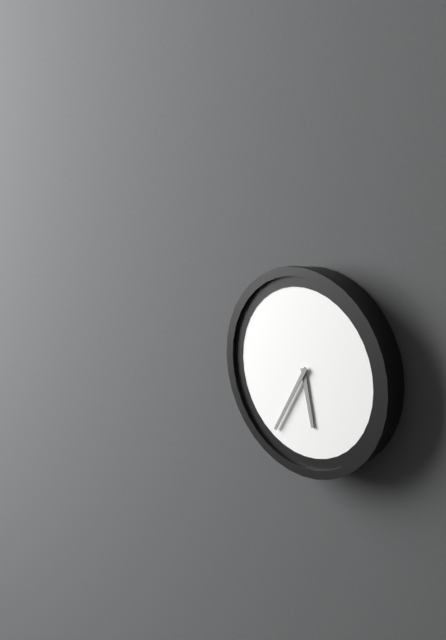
5:35
